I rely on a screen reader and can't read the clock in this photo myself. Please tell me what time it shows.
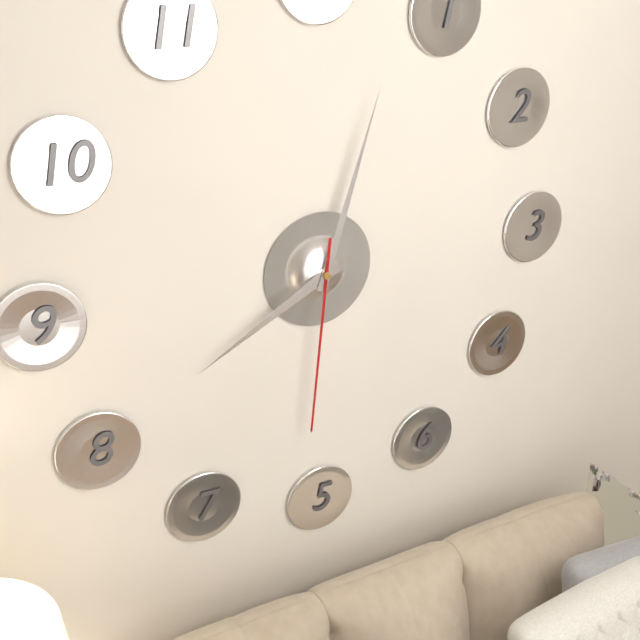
8:03:31
